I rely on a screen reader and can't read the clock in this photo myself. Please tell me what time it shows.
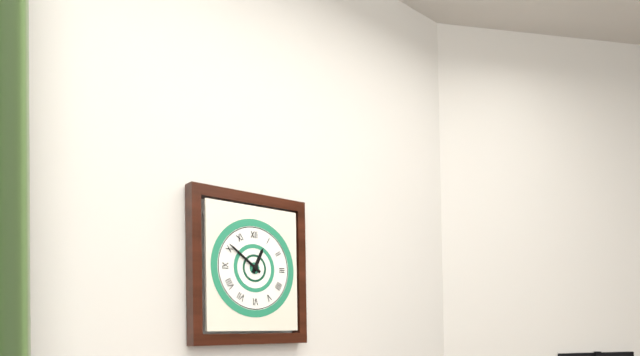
12:51
